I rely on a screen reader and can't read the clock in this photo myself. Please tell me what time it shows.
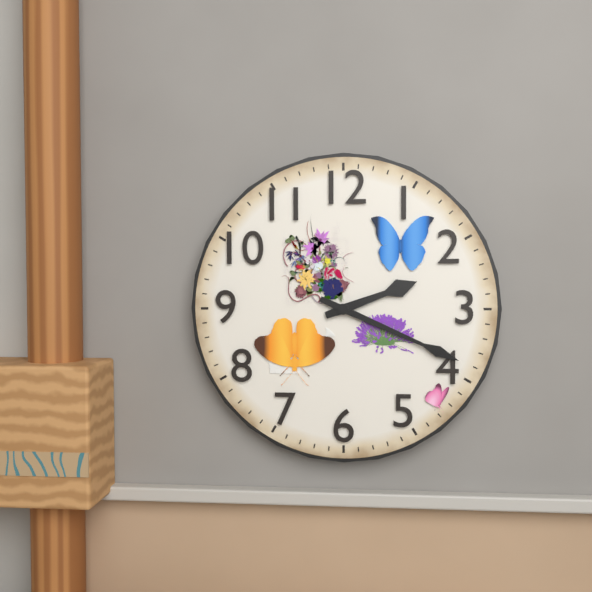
2:19
